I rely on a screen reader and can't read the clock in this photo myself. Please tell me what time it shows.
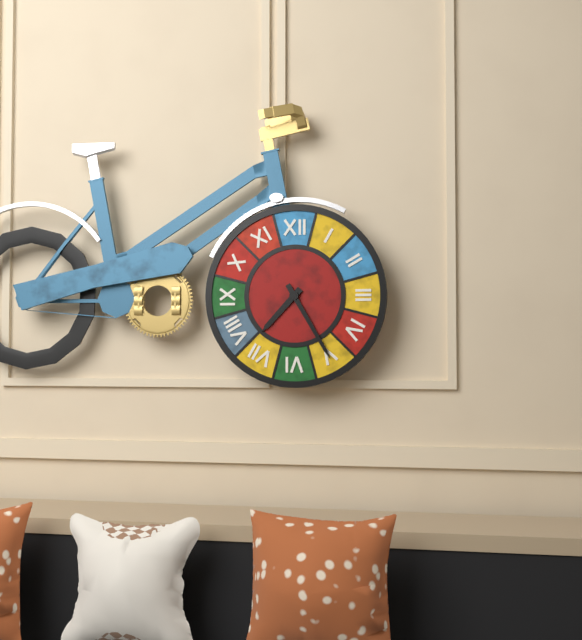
7:25
